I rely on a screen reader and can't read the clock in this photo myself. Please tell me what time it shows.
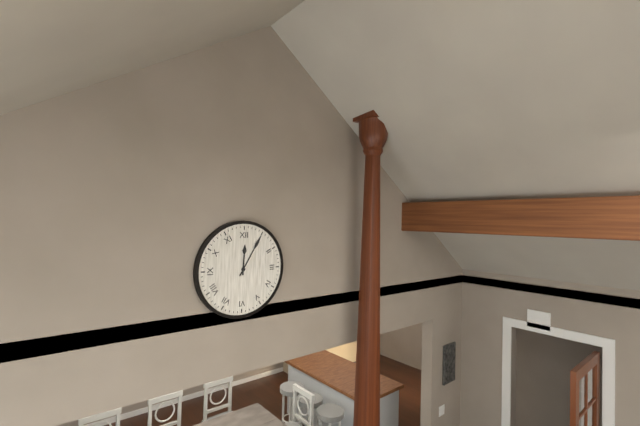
12:05
